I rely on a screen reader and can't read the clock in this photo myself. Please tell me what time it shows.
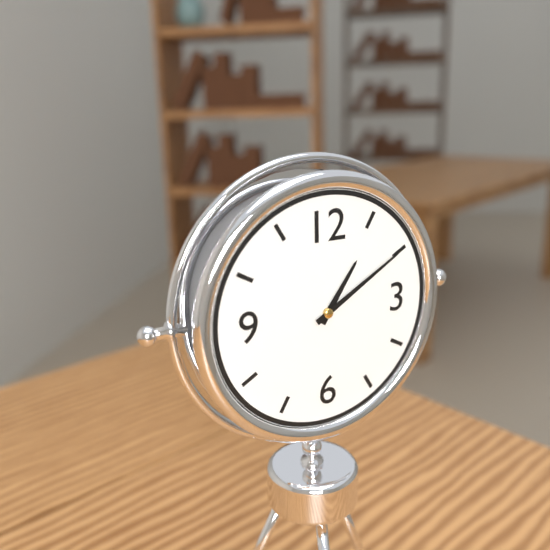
1:10
